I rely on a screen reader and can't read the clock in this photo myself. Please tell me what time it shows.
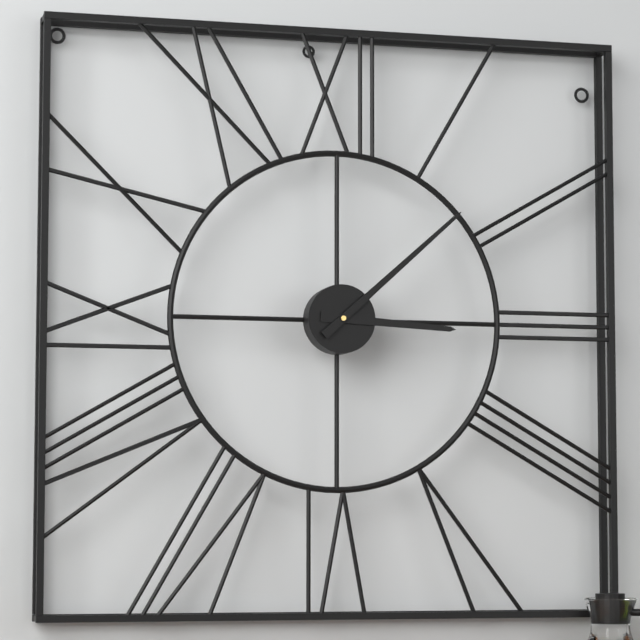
3:08
